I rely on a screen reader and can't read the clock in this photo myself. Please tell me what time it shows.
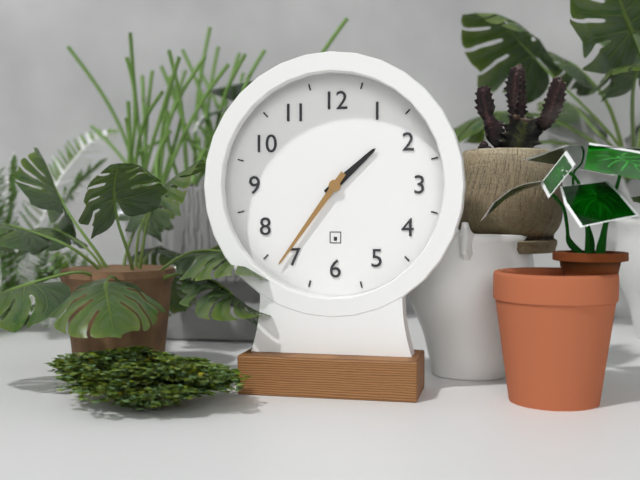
1:36
